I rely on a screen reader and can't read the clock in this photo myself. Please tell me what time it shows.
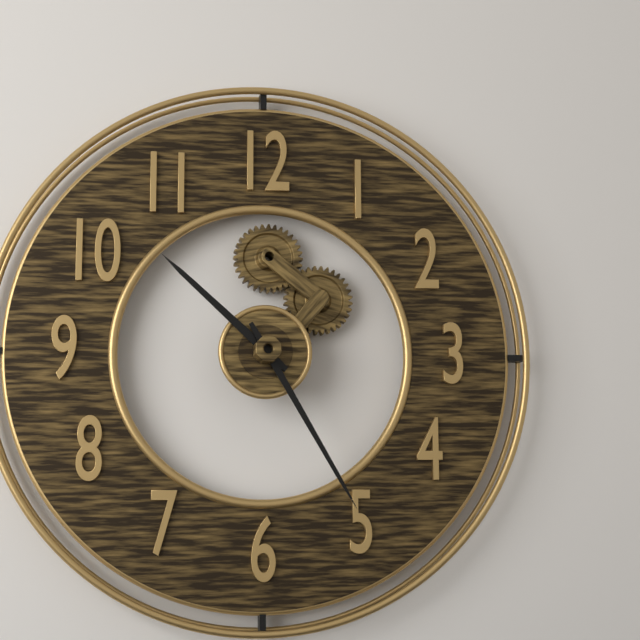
10:25
